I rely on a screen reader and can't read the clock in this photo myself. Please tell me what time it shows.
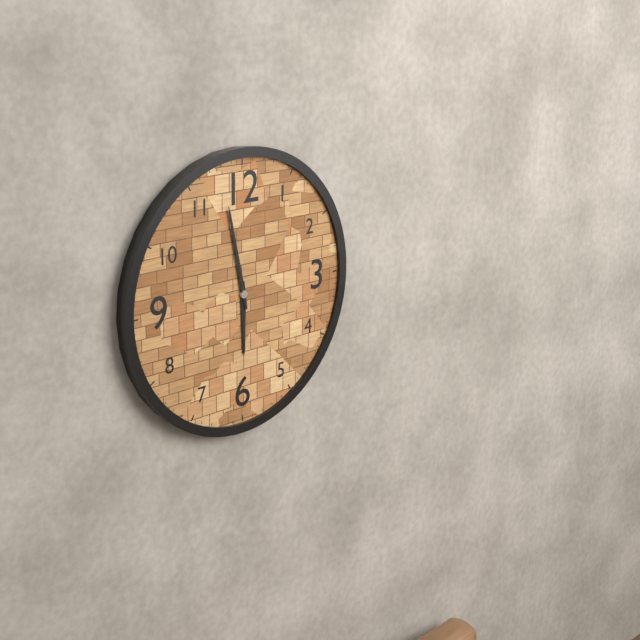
5:58
